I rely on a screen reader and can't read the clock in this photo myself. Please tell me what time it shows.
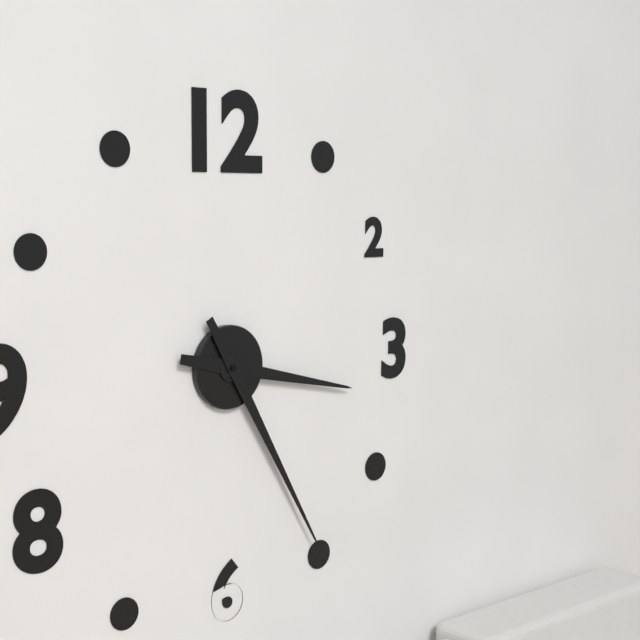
3:25
